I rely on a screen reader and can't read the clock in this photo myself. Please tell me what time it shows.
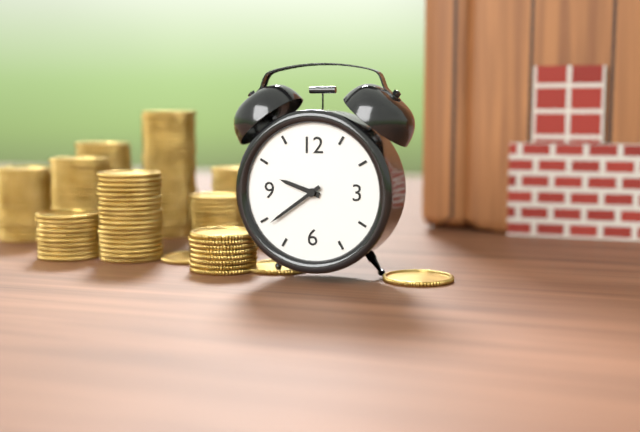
9:39
